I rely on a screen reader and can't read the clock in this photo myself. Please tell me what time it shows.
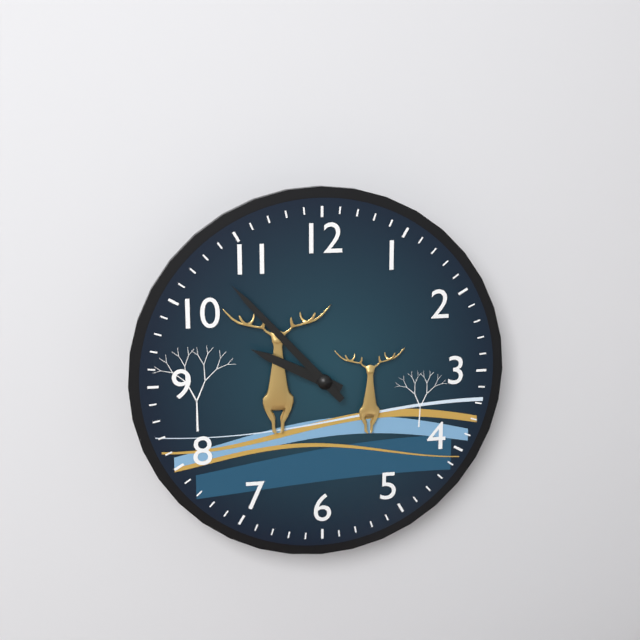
9:53
